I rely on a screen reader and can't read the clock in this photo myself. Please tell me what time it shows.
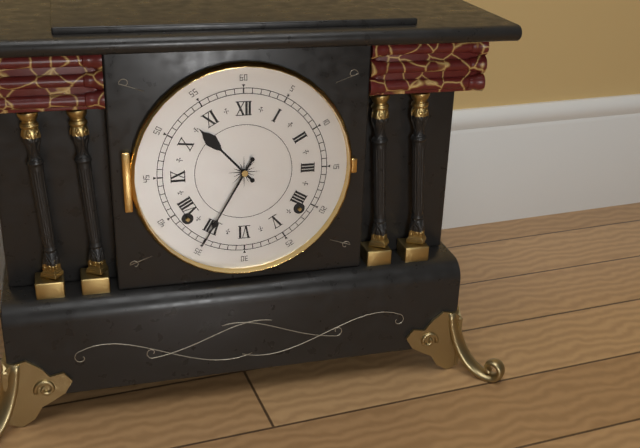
10:35
